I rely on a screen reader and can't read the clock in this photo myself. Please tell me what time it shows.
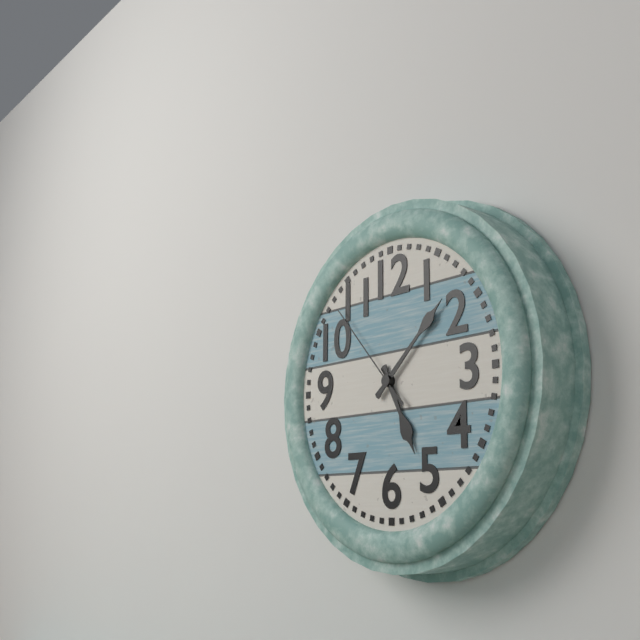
5:08:53
